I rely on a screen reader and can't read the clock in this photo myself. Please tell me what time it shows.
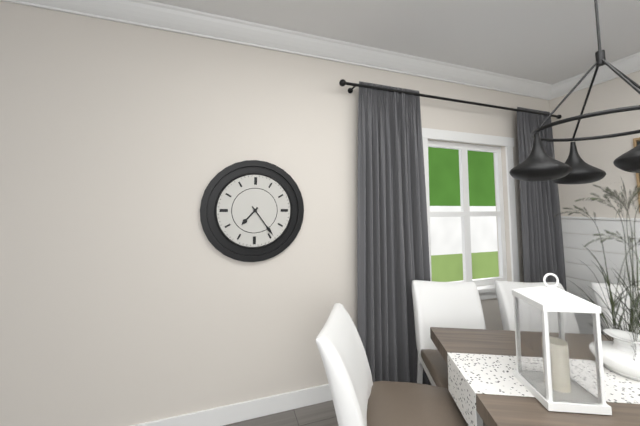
7:24
